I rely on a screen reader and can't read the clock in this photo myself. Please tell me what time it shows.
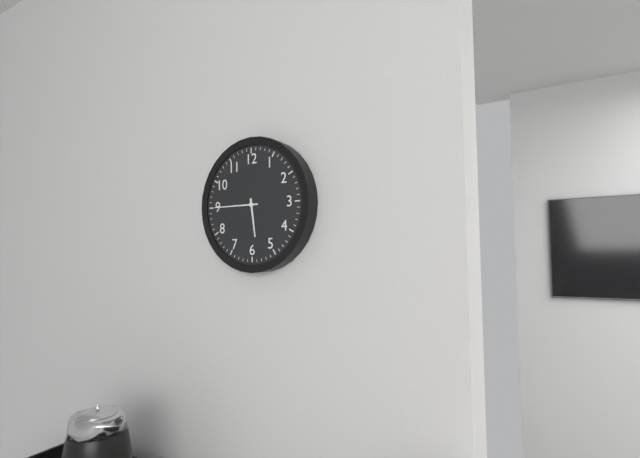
5:45
